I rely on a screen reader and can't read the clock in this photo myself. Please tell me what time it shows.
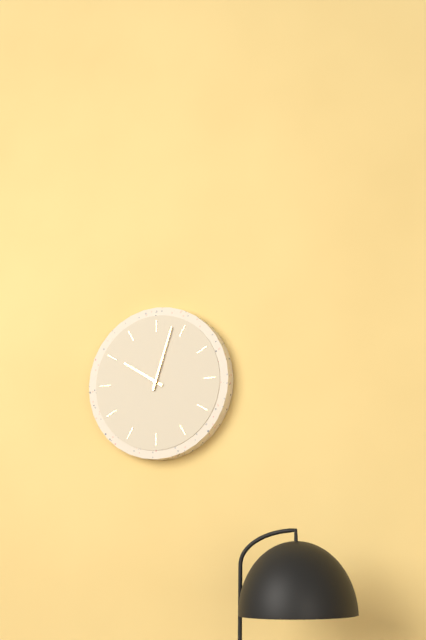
10:03
